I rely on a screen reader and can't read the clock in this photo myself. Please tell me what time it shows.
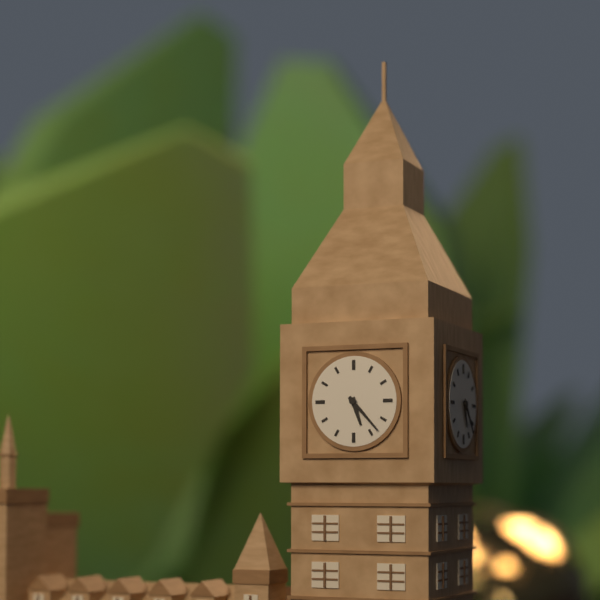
5:23
